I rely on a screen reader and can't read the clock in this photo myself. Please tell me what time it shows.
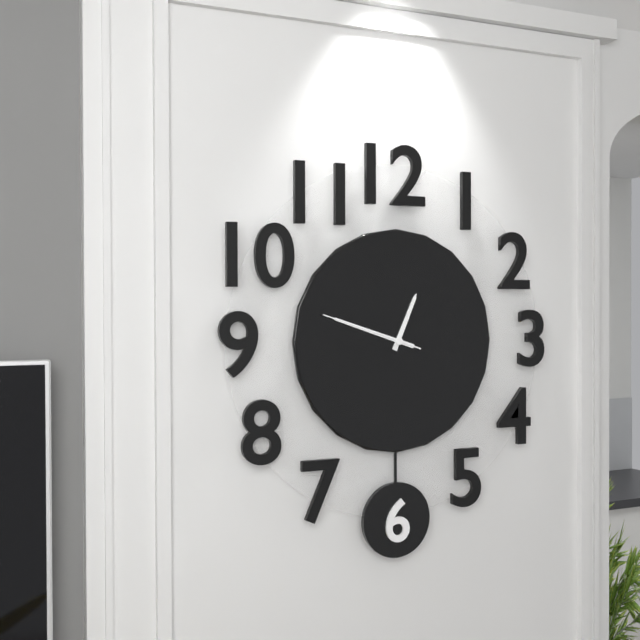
12:48:48
